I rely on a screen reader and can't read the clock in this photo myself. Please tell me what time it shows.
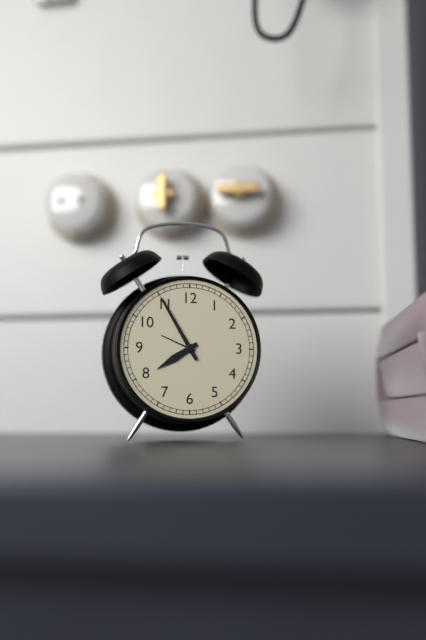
7:55
